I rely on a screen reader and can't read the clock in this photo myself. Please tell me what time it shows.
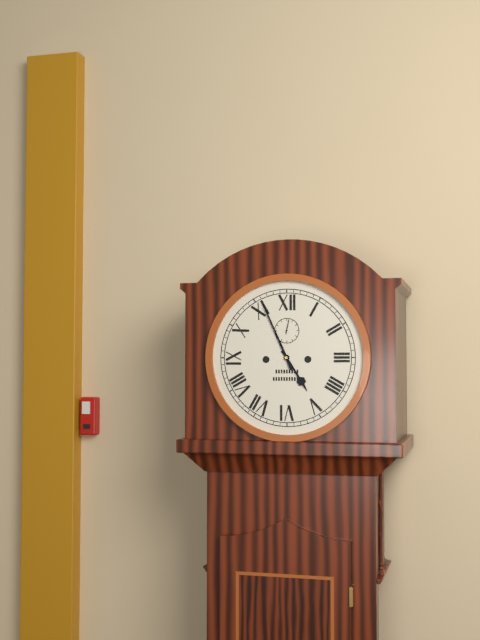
4:56
